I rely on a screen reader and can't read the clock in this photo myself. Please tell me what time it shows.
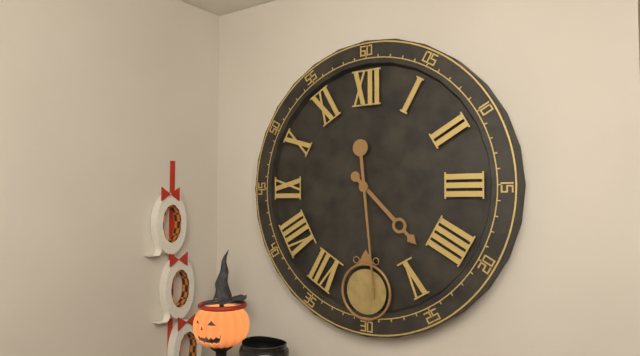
4:29
